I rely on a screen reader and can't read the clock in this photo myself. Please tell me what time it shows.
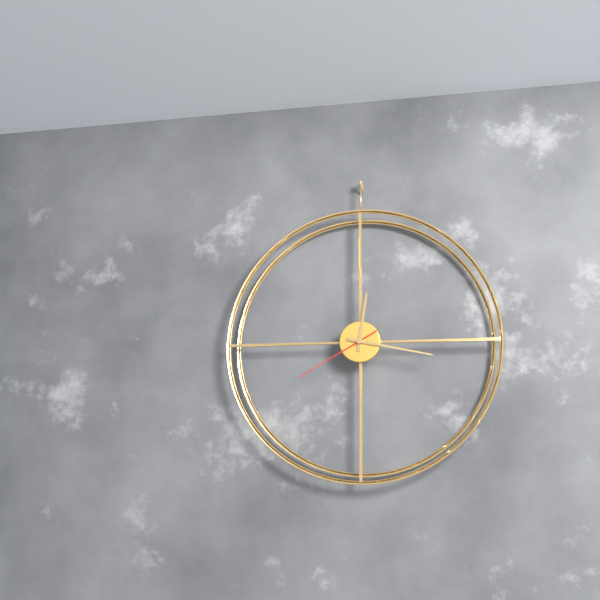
12:17:40
